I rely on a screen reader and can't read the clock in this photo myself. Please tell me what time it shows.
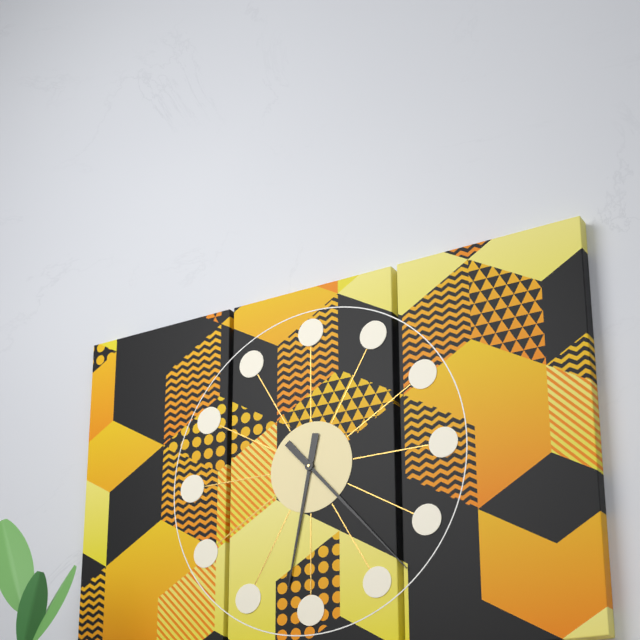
6:23
